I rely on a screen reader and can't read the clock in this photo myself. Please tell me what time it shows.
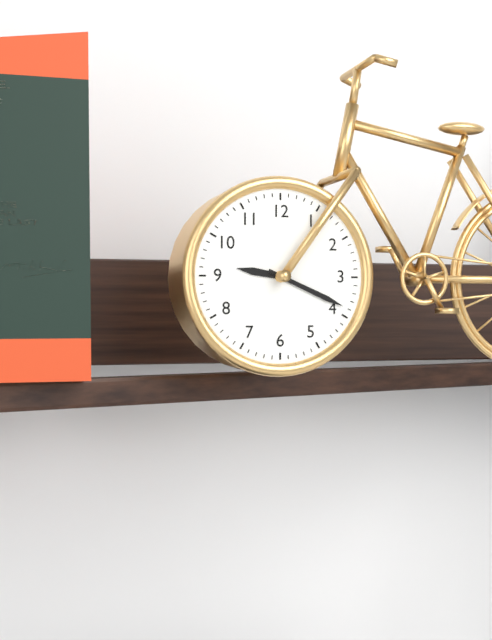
9:19
